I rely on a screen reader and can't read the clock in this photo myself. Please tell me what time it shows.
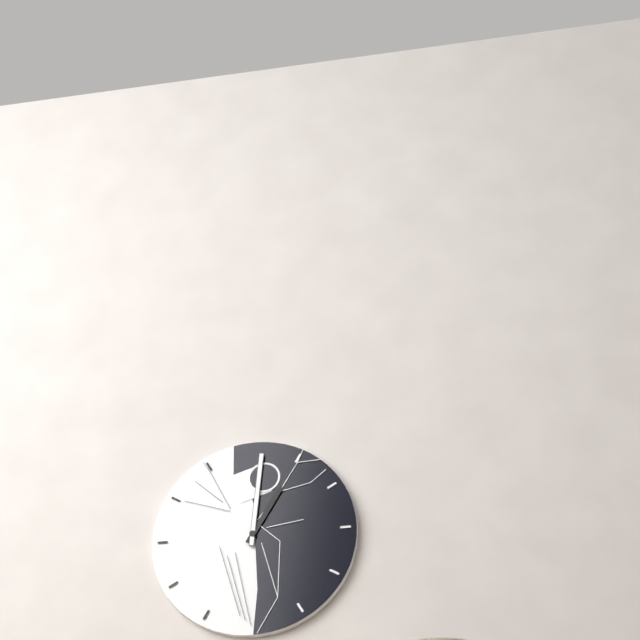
1:01
